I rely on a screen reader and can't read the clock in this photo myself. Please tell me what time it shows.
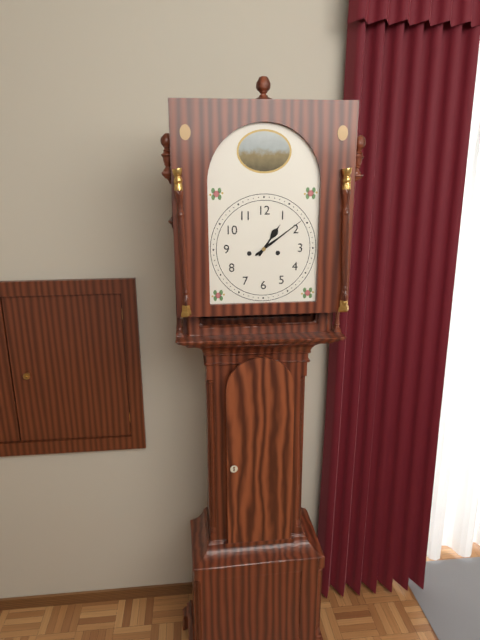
1:09
